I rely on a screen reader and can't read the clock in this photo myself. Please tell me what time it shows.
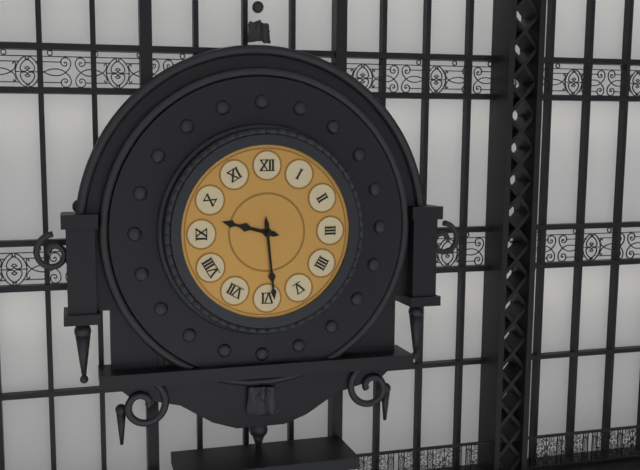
9:29
